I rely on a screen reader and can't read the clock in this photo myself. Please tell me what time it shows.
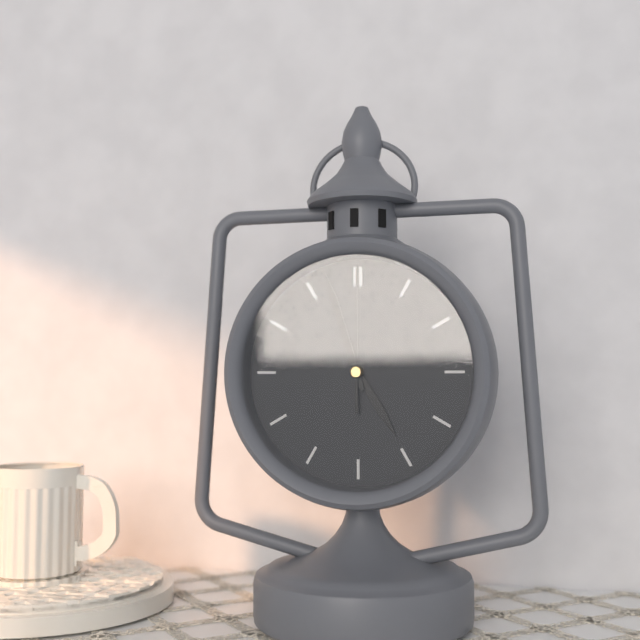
4:57:00
